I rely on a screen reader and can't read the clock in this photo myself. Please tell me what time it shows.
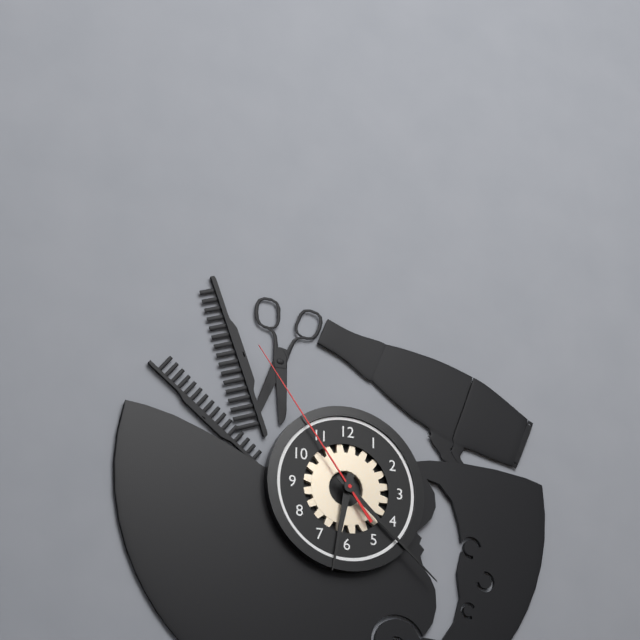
6:22:54
